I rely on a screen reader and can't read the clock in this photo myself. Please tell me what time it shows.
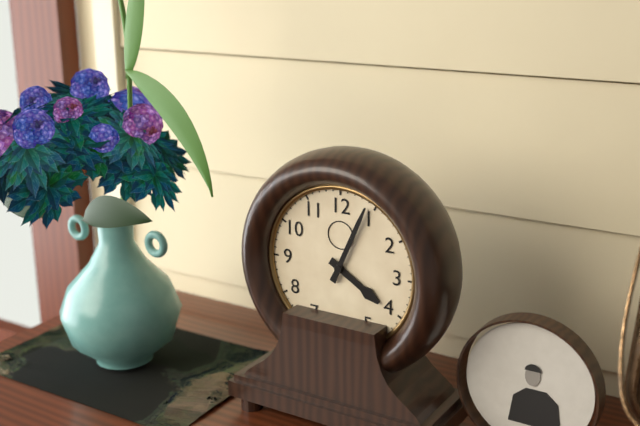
4:04
